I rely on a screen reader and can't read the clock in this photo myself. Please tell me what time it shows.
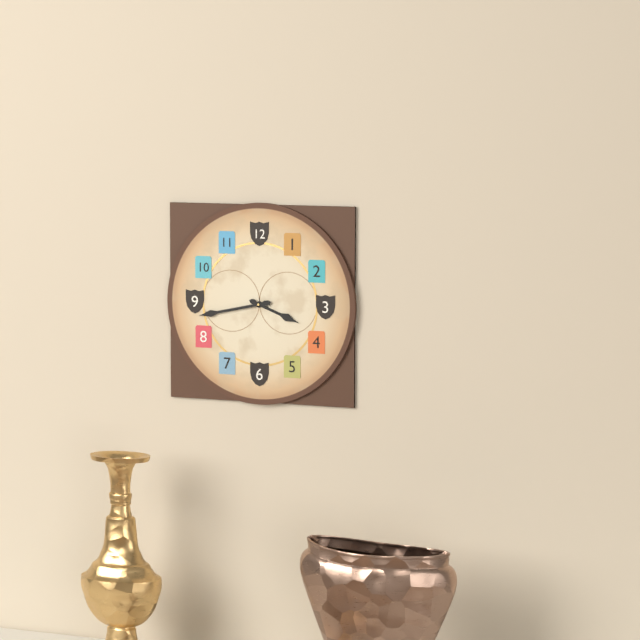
3:43
